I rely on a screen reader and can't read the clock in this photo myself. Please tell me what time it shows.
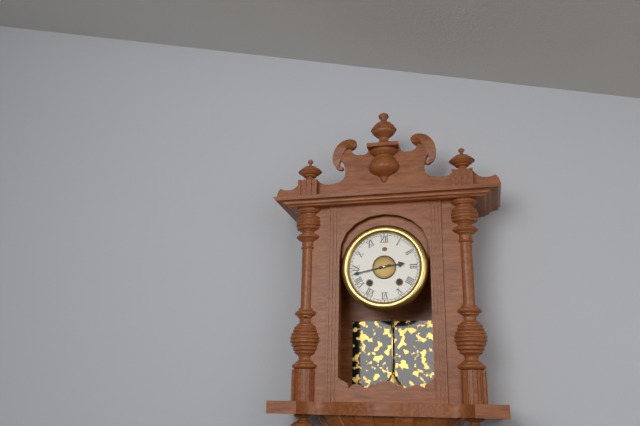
2:43
